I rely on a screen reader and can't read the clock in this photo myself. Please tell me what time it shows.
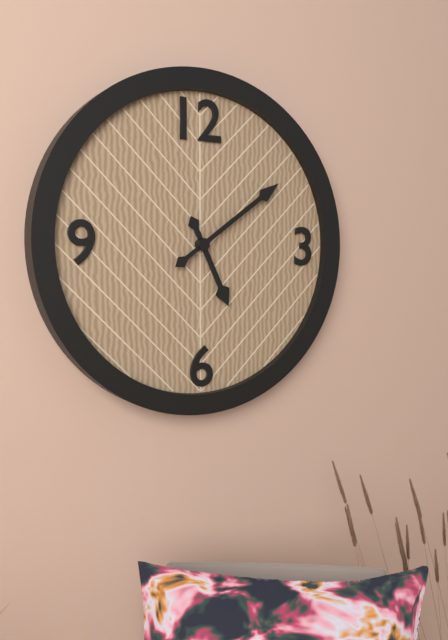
5:09
